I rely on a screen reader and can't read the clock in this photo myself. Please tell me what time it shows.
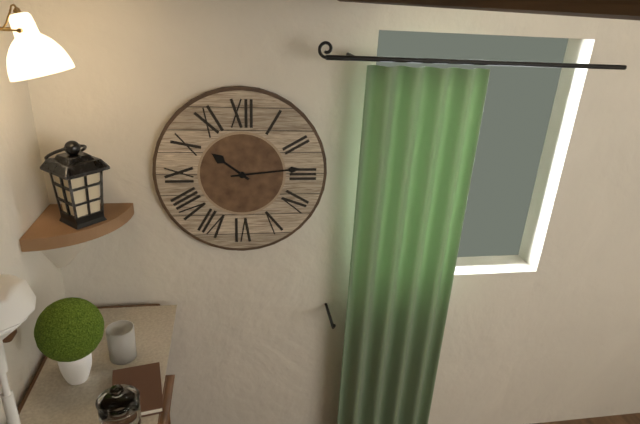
10:14
